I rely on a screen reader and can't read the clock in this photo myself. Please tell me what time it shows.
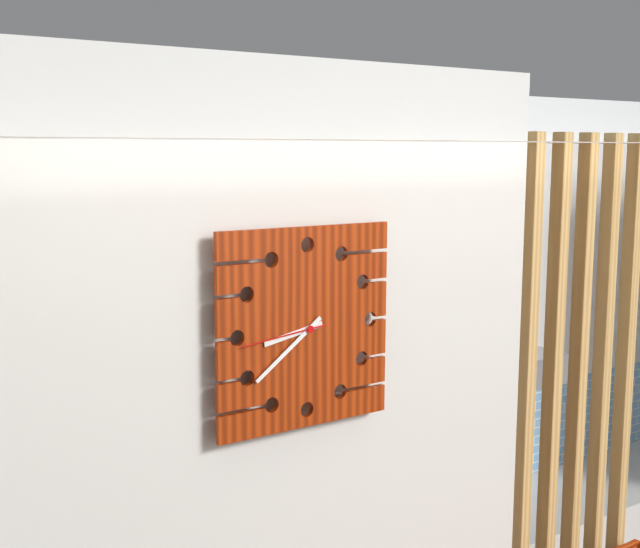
8:39:44
